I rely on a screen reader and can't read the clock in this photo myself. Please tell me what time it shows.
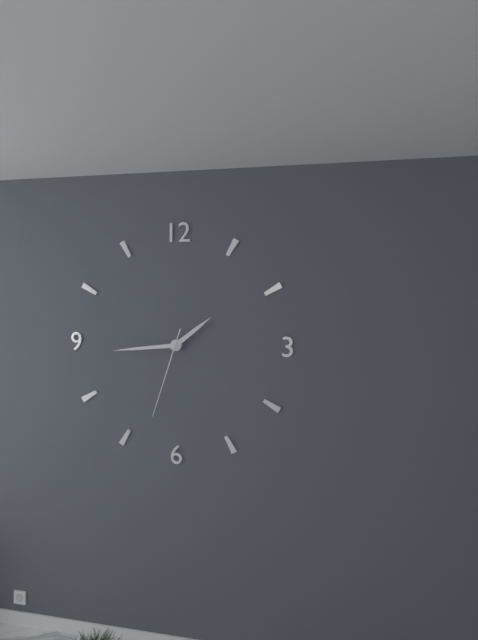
1:44:33
